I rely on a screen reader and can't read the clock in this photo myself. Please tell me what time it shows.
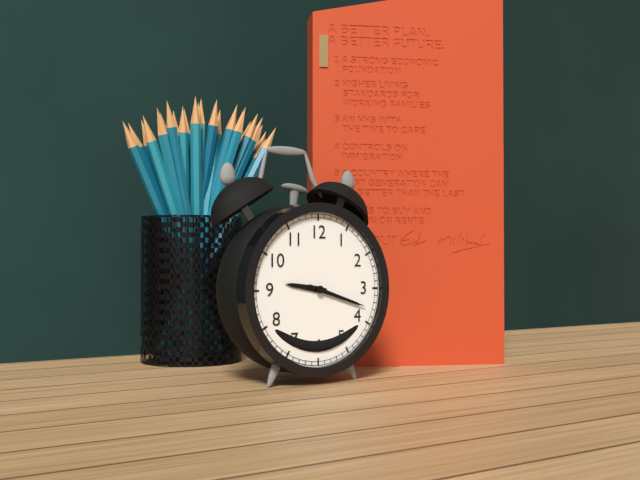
9:18
